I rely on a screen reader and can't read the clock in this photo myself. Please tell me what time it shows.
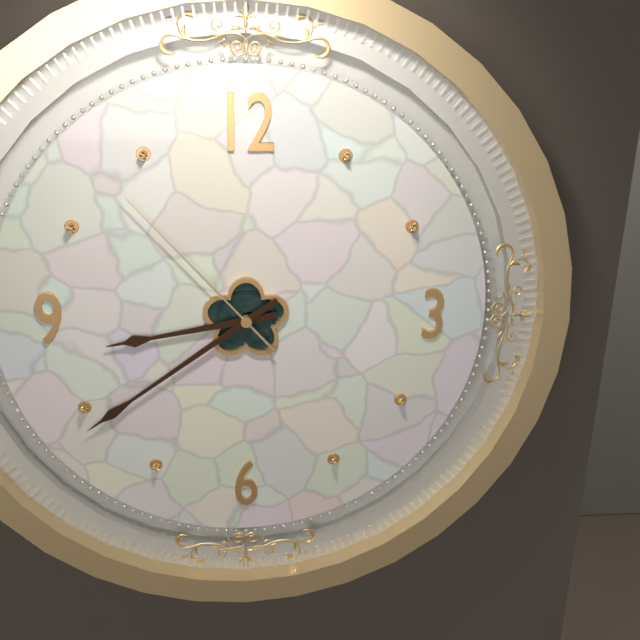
8:39:53
